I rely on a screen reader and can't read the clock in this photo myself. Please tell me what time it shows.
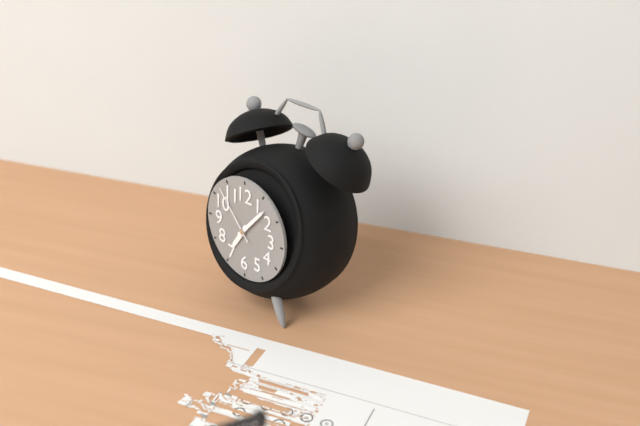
7:07:53
